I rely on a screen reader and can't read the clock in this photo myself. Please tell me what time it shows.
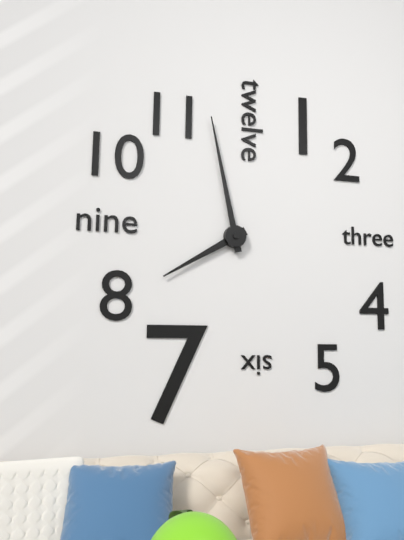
7:58
